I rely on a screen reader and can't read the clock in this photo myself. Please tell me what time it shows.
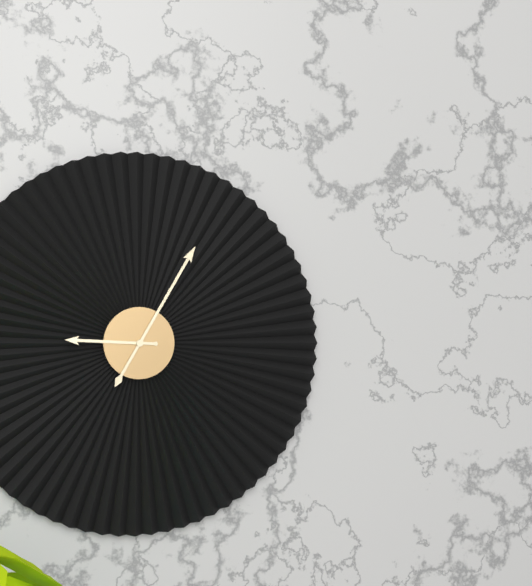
9:05
